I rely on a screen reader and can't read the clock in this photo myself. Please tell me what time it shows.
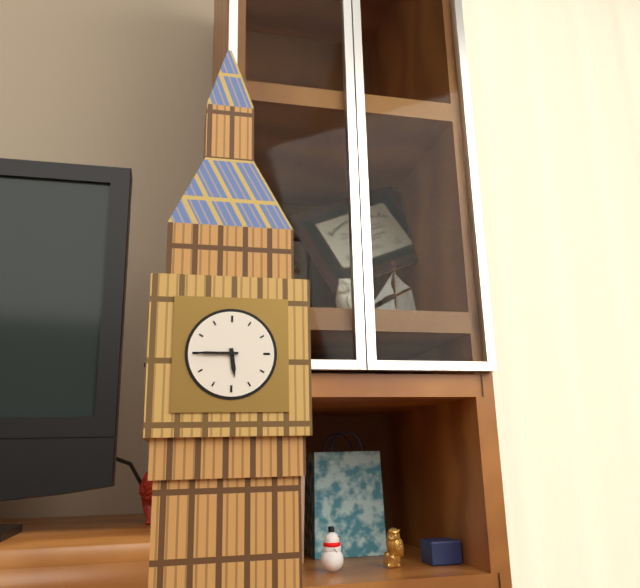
5:45
